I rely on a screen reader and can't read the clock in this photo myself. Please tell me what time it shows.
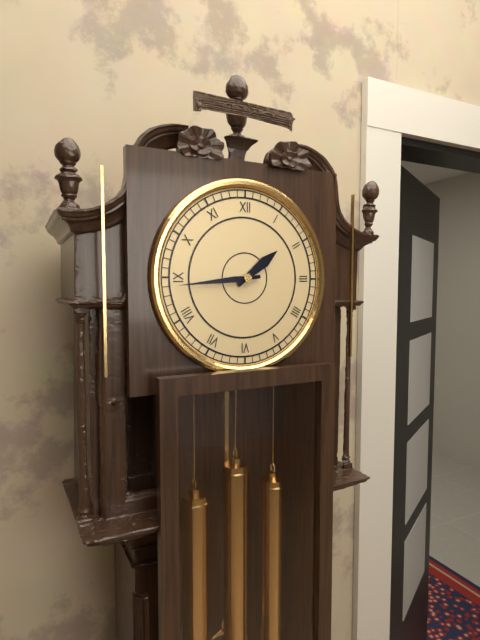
1:44
